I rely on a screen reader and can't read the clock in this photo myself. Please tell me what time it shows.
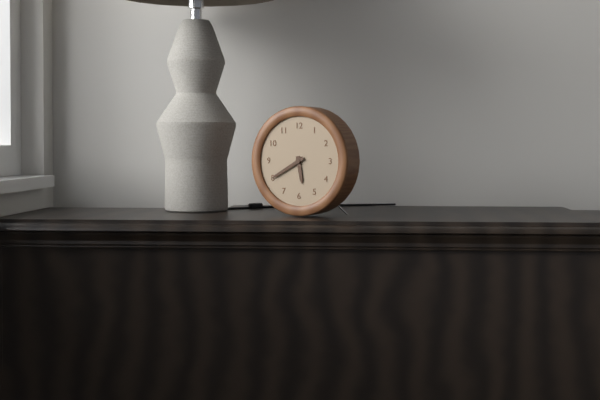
5:40
